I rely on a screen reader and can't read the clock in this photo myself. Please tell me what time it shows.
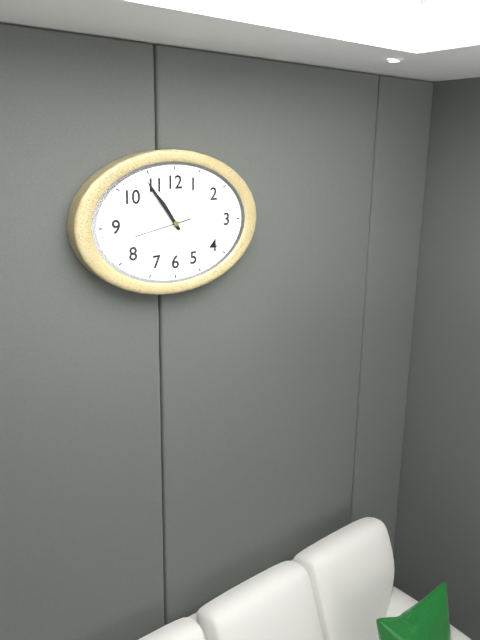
10:54:43
